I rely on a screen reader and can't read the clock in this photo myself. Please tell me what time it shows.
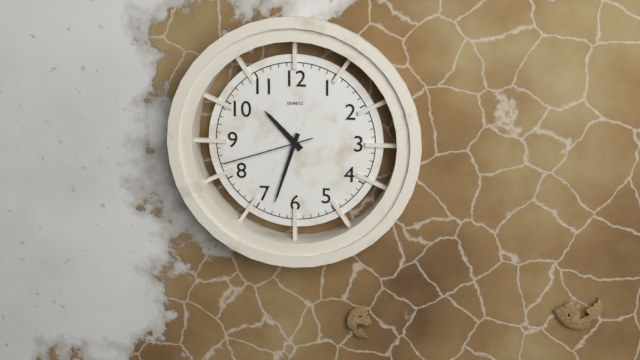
10:33:42
